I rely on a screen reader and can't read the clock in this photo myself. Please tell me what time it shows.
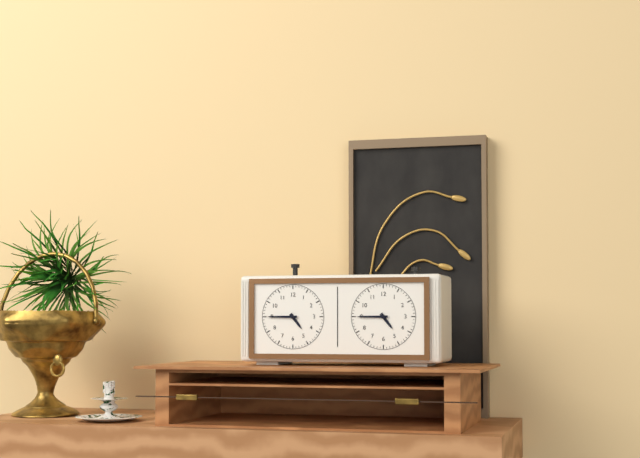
4:45
